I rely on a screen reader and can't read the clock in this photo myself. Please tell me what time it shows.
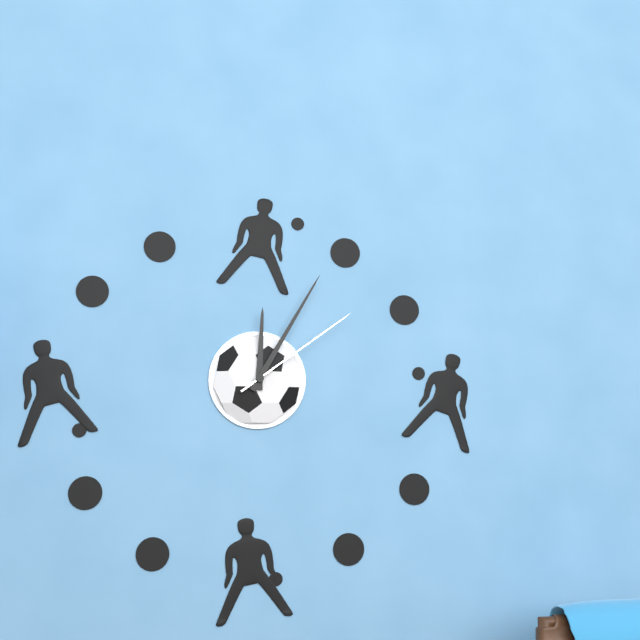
12:05:09
